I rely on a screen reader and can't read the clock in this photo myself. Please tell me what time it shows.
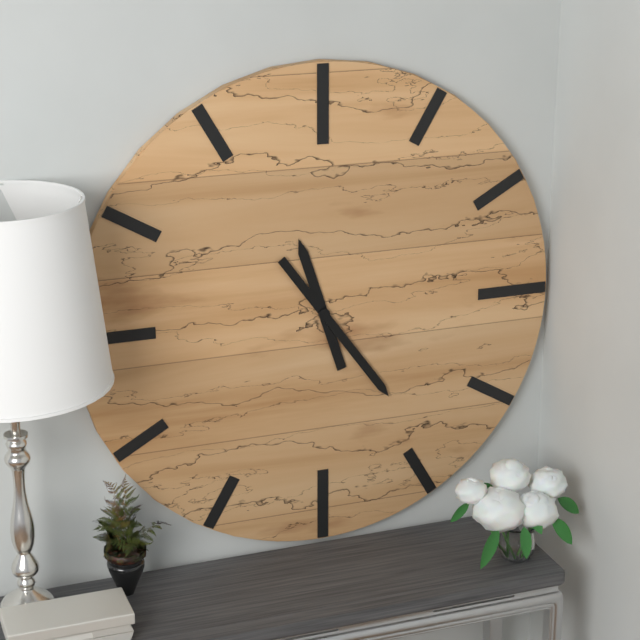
11:24
